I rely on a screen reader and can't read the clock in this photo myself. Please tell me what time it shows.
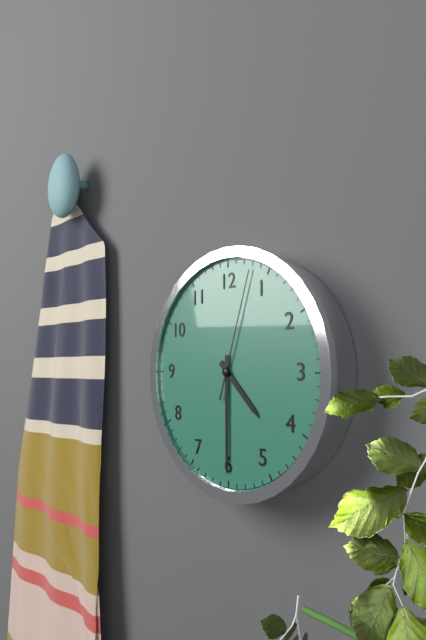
4:30:03
